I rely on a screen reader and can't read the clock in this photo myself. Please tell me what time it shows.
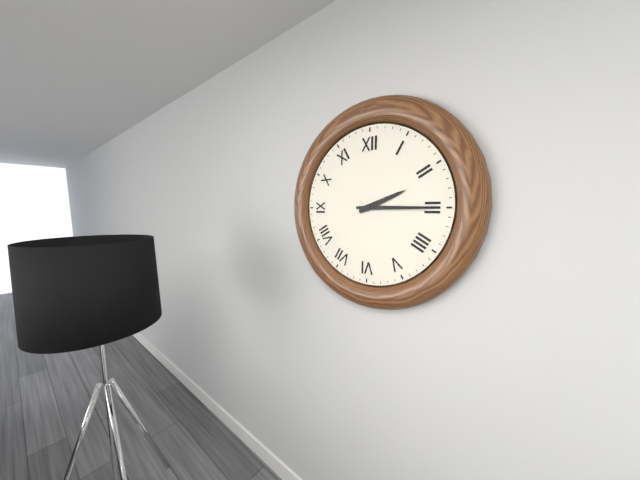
2:15
